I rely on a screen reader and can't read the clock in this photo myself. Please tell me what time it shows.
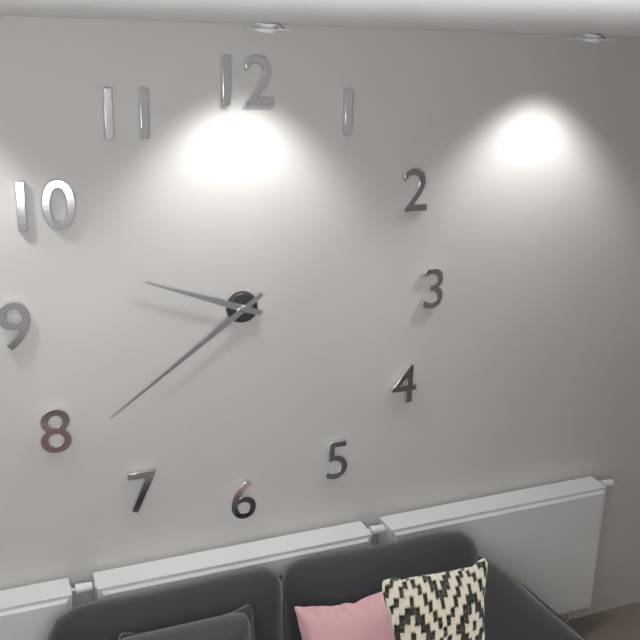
9:39
